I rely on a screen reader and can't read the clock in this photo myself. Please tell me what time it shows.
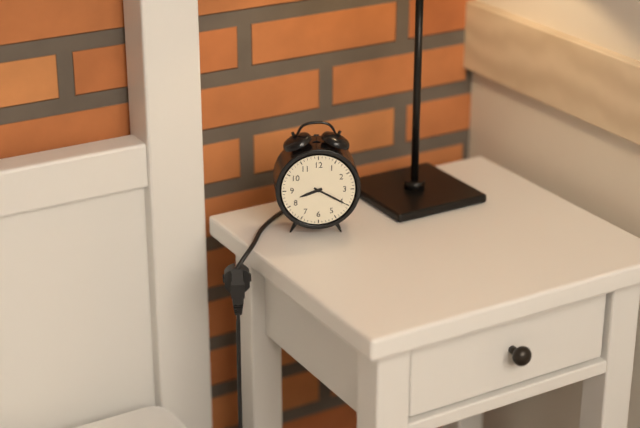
8:20
